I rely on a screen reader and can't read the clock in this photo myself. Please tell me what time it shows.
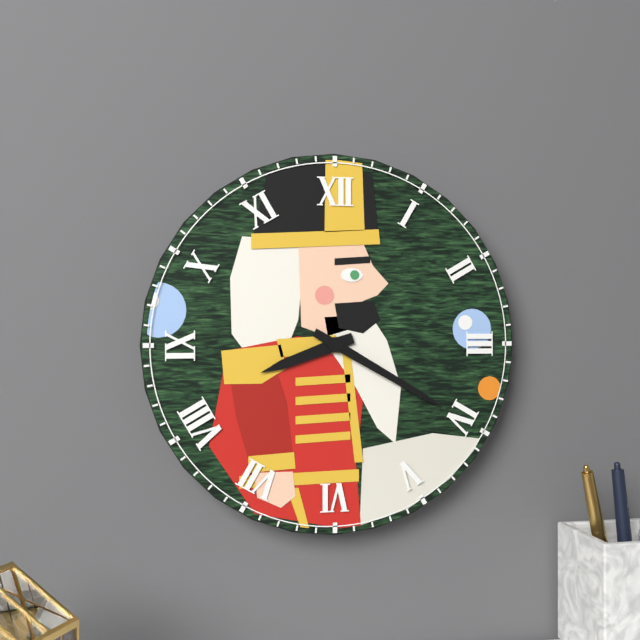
8:20
